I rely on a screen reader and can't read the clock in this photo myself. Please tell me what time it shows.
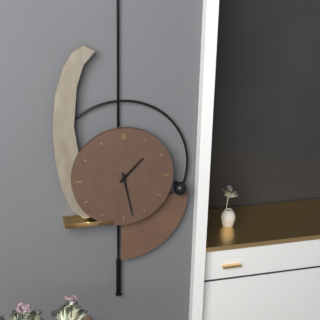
1:28
